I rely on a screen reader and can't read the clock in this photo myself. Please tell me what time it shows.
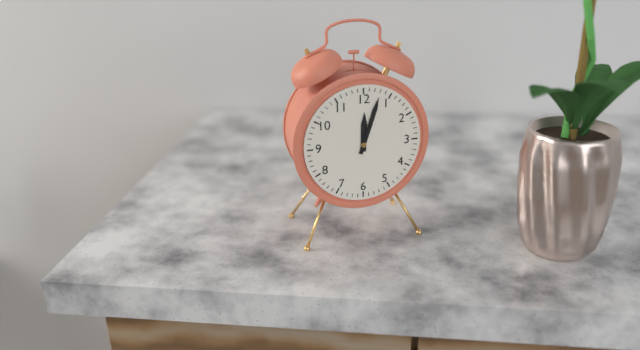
12:03
